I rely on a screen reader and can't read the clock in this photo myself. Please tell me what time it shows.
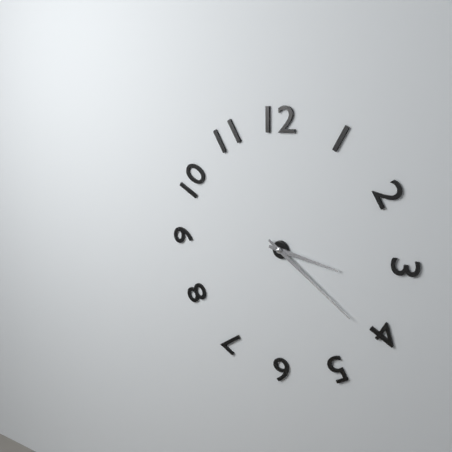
3:21
